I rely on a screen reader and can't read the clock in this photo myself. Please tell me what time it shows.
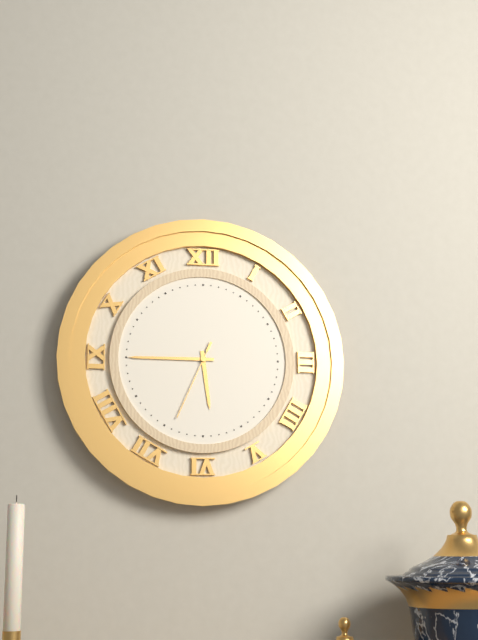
5:45:34
